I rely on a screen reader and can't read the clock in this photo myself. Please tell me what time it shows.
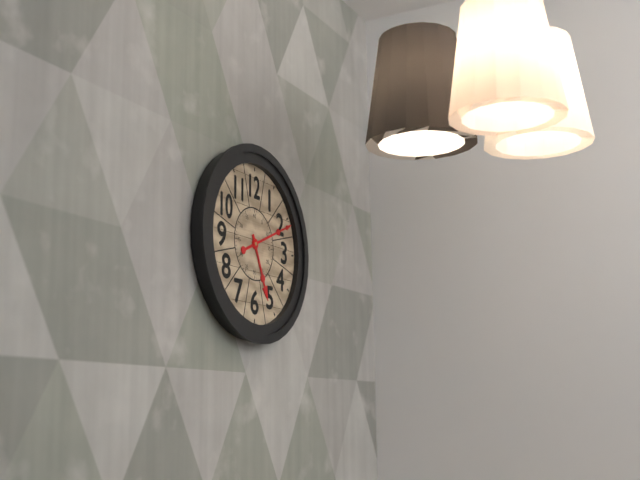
5:11
